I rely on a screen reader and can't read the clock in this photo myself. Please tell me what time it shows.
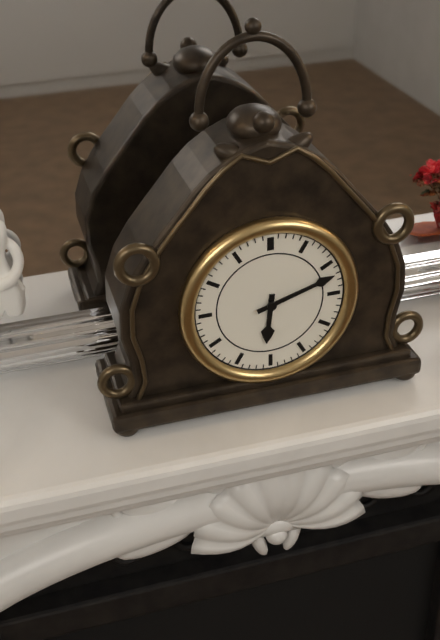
6:12
